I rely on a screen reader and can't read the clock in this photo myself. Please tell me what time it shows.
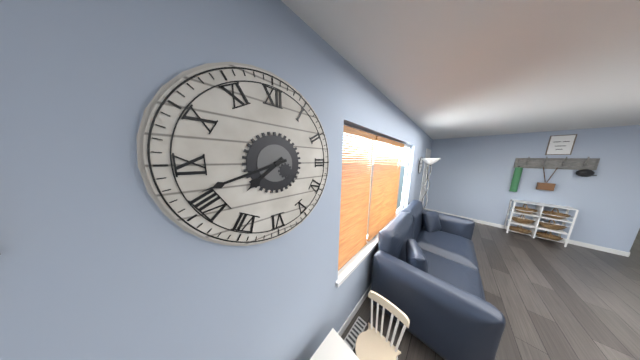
7:42
